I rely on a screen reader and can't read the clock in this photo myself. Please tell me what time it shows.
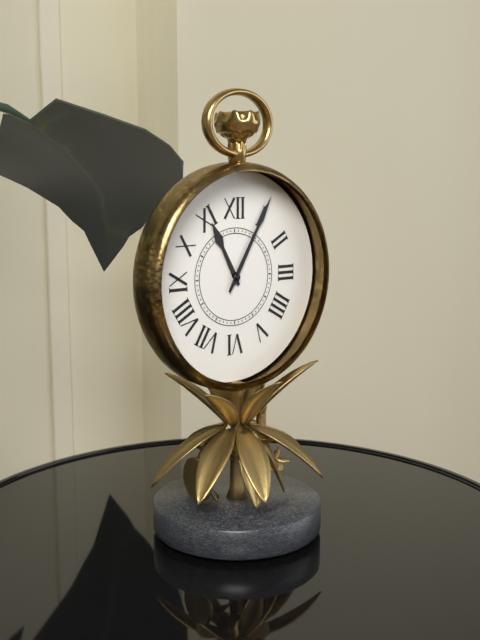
11:05
